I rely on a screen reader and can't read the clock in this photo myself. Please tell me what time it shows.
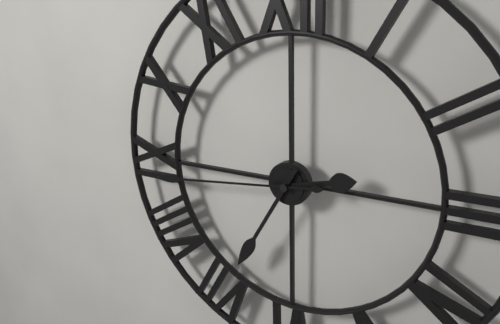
2:35:44
